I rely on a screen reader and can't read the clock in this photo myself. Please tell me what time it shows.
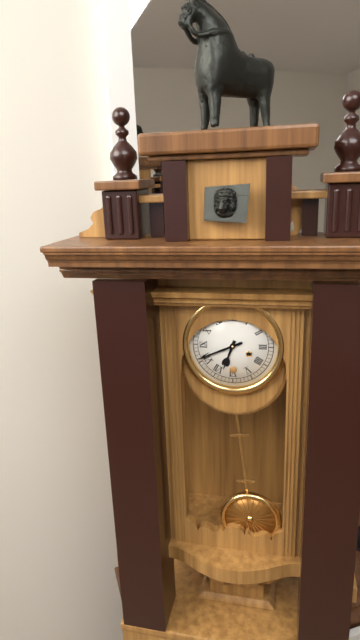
6:41
